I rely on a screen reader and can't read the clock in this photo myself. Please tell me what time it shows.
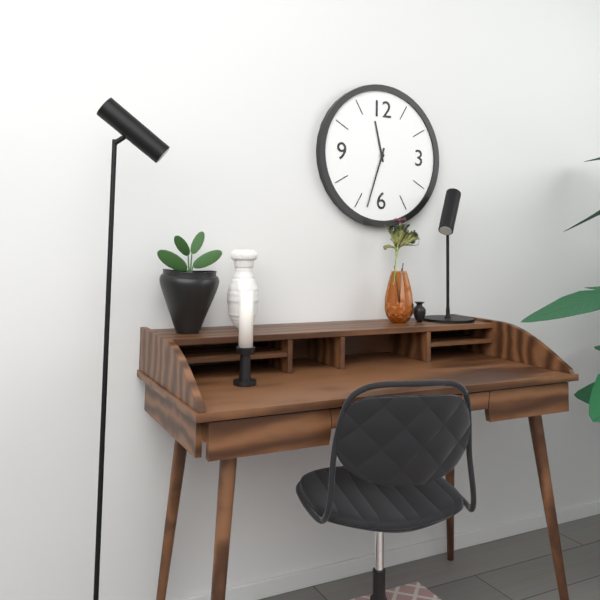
11:33
